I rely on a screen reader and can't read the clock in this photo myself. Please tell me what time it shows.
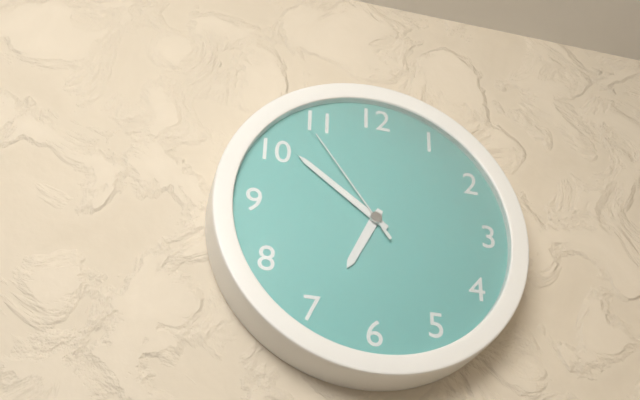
6:51:54
